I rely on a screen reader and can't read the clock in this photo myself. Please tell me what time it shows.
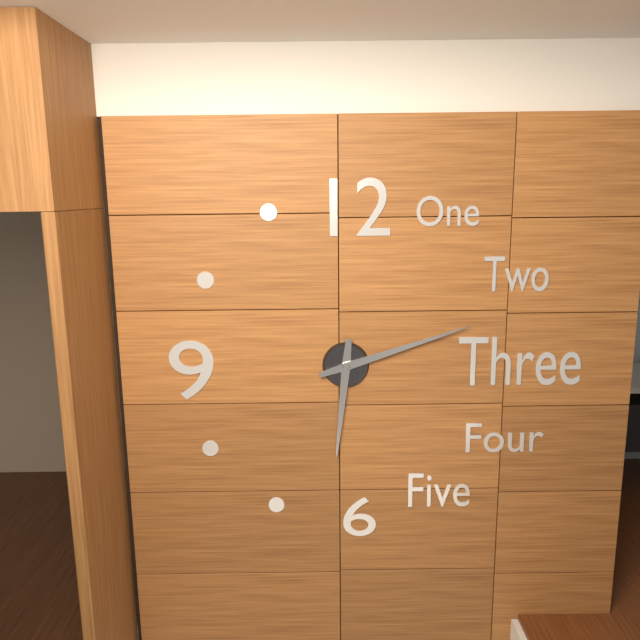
6:12
